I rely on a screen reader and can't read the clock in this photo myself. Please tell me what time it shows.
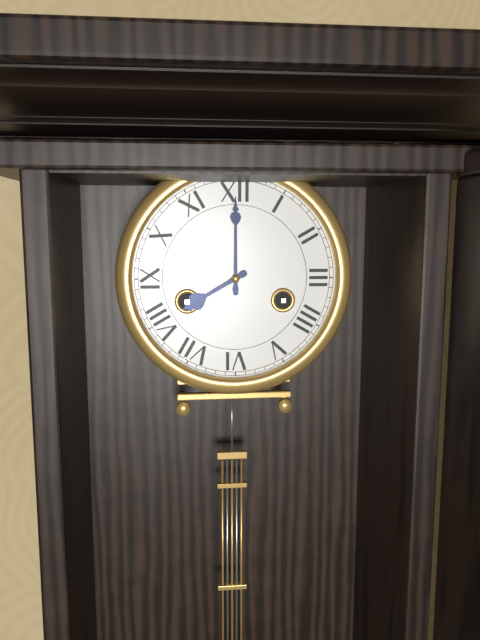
8:00
